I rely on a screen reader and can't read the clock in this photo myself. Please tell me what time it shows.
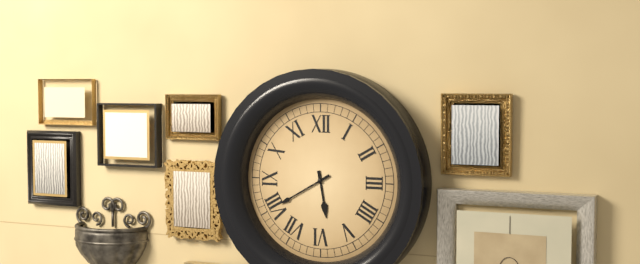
5:40
